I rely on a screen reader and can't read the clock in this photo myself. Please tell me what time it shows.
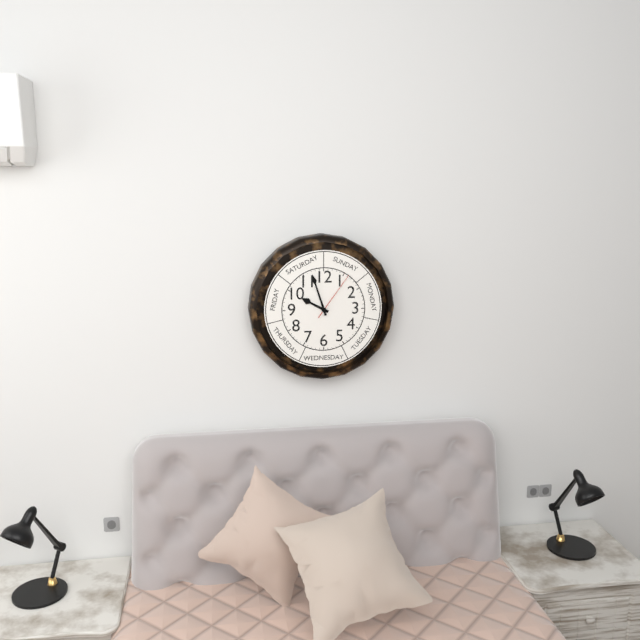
9:57:06
